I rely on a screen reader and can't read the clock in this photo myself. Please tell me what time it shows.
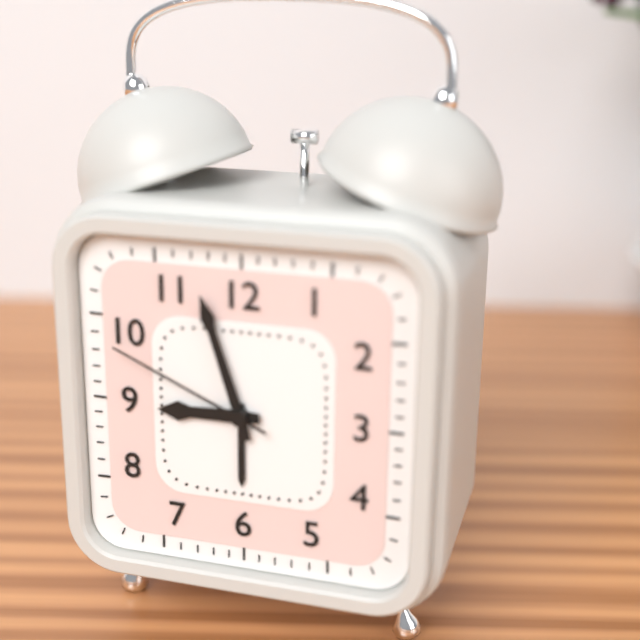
8:57:49
